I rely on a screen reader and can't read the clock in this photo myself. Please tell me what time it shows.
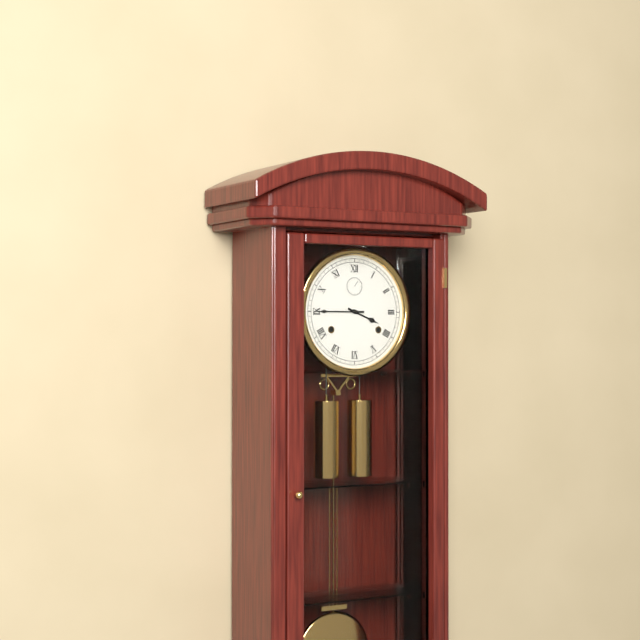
3:45
